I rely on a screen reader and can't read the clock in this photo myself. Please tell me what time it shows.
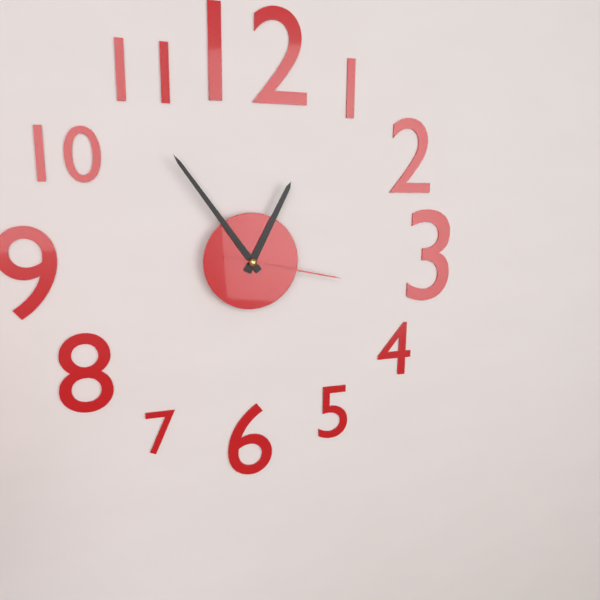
12:54:17
